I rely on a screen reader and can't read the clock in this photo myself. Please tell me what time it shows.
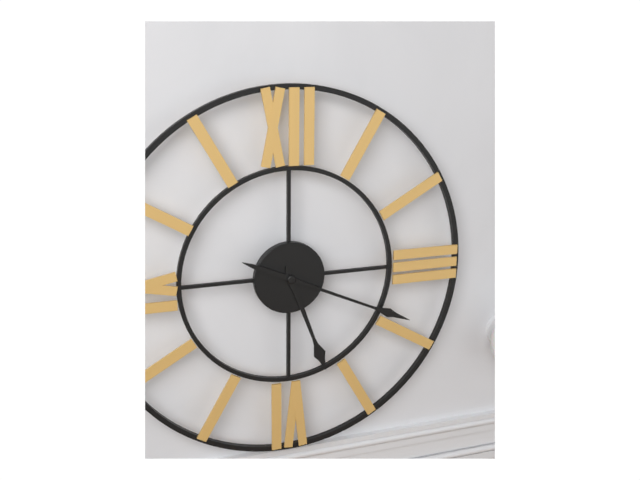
5:19
